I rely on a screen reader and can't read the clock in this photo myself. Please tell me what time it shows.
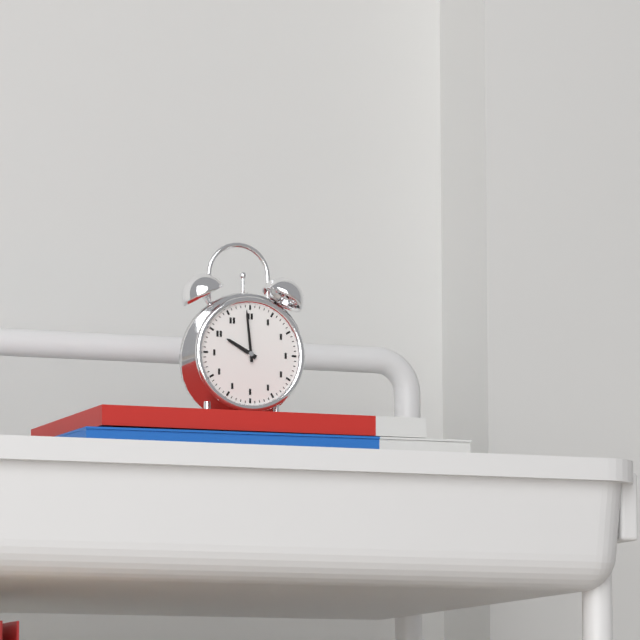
9:59
